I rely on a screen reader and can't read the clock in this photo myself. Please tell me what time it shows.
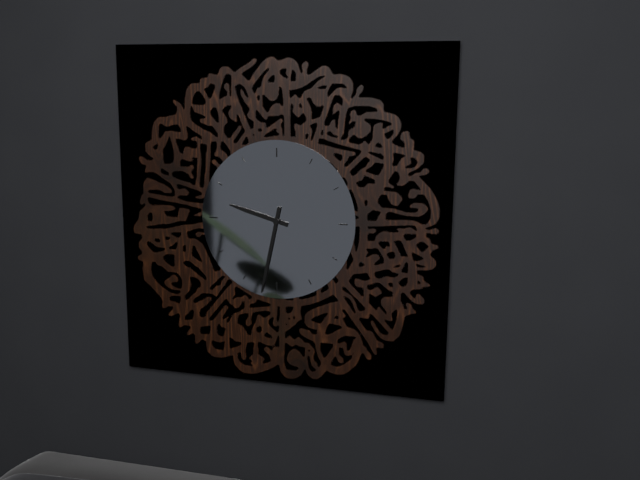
9:32
